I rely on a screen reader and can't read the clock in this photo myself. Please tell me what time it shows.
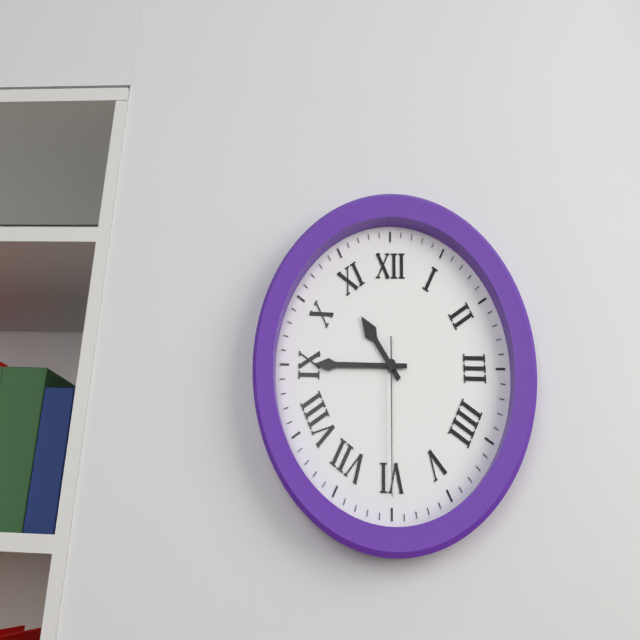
10:45:30
